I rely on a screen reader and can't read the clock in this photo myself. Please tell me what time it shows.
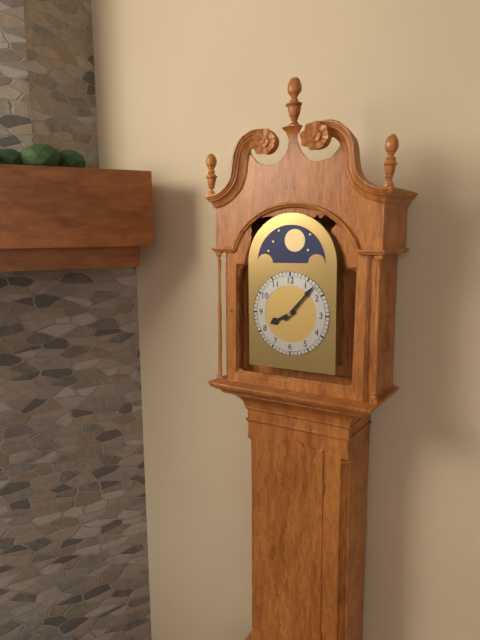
8:07
